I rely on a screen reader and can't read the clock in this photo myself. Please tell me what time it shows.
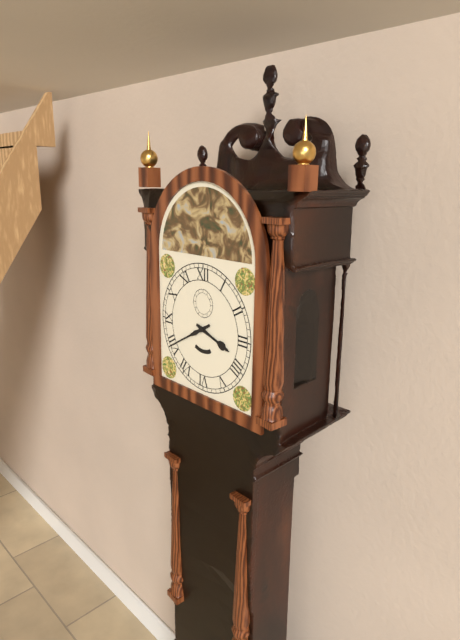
3:40
